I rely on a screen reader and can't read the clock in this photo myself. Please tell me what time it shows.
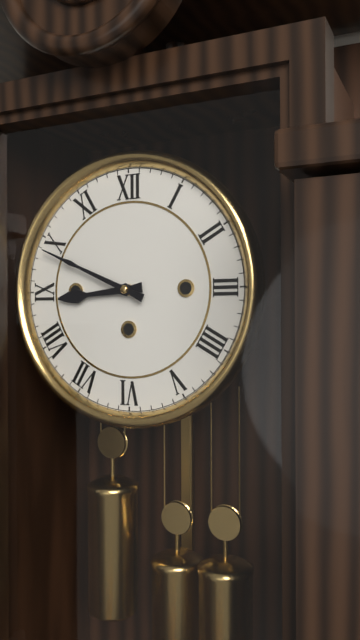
8:49
